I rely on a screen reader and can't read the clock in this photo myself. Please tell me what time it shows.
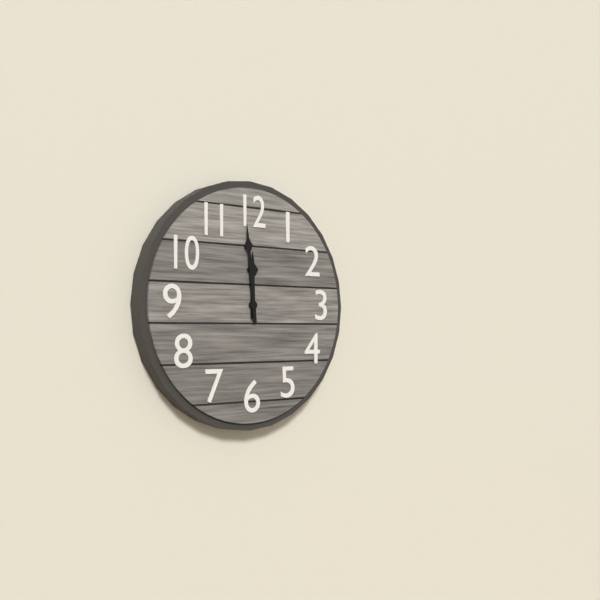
11:59
